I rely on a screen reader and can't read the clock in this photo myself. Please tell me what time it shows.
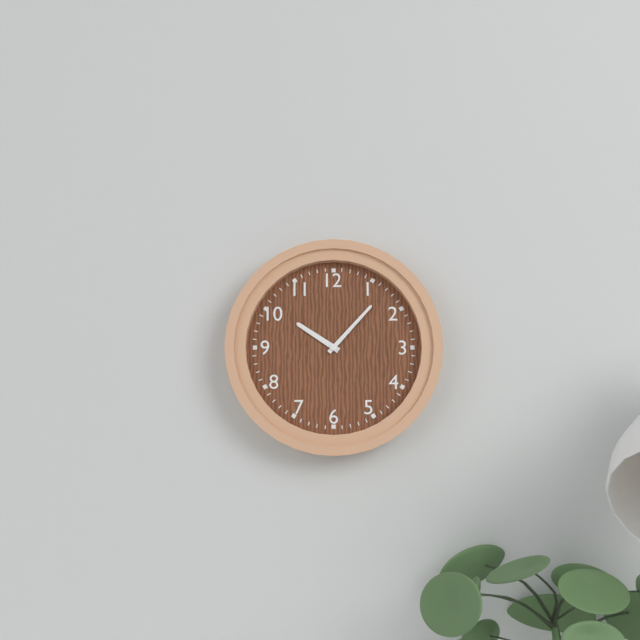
10:07
